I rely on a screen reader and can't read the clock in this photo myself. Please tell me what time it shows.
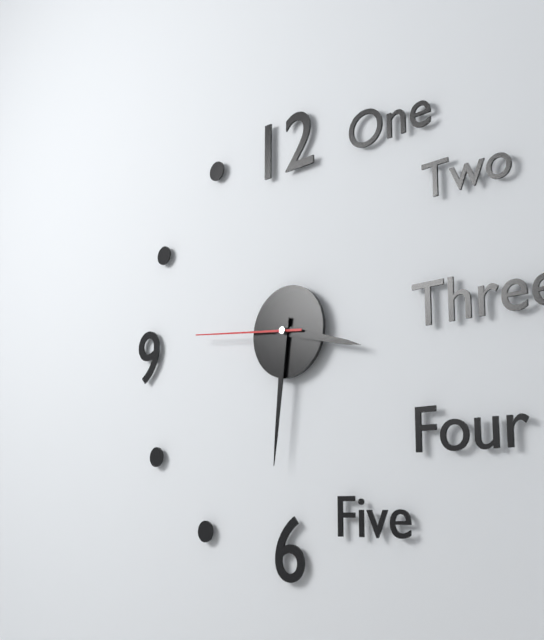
3:31:46
